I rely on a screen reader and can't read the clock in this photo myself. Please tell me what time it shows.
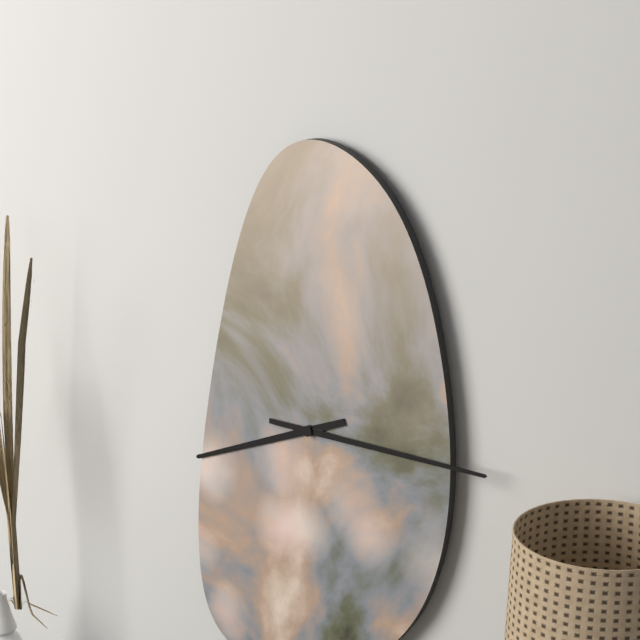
8:15
